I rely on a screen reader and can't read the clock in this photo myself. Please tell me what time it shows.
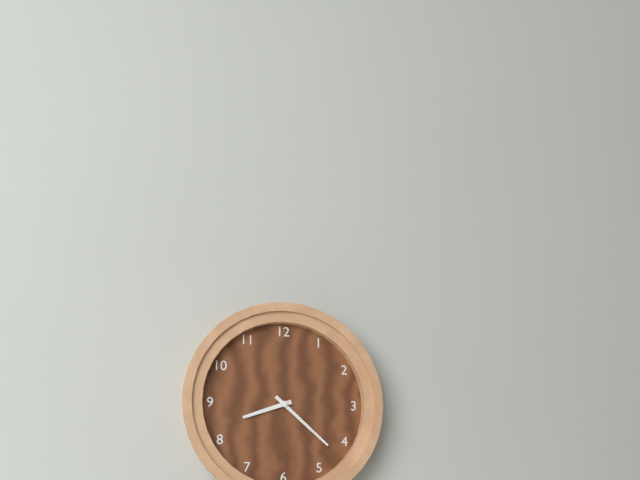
8:22
